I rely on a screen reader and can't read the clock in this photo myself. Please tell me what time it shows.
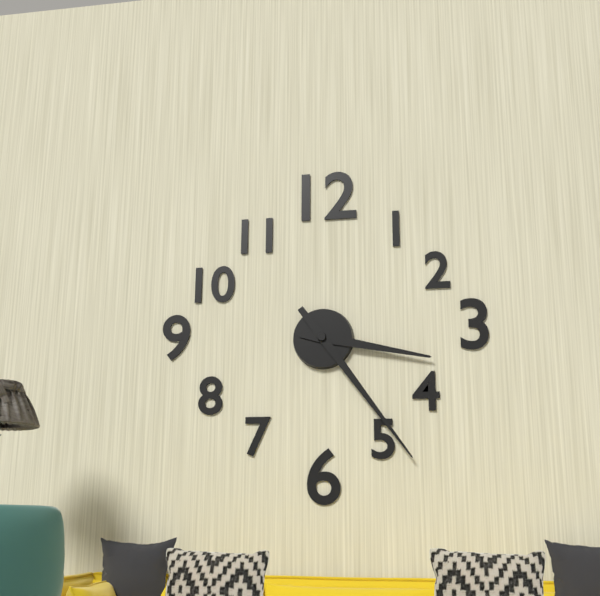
3:24
